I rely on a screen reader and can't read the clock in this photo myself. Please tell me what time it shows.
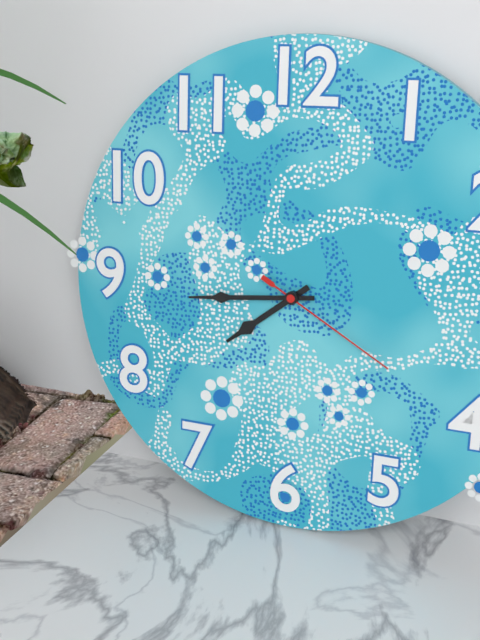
7:44:20
